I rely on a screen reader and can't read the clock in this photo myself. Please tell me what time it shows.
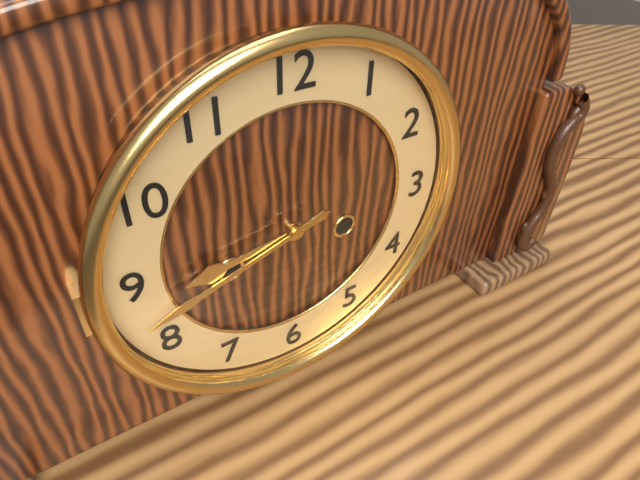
8:42
